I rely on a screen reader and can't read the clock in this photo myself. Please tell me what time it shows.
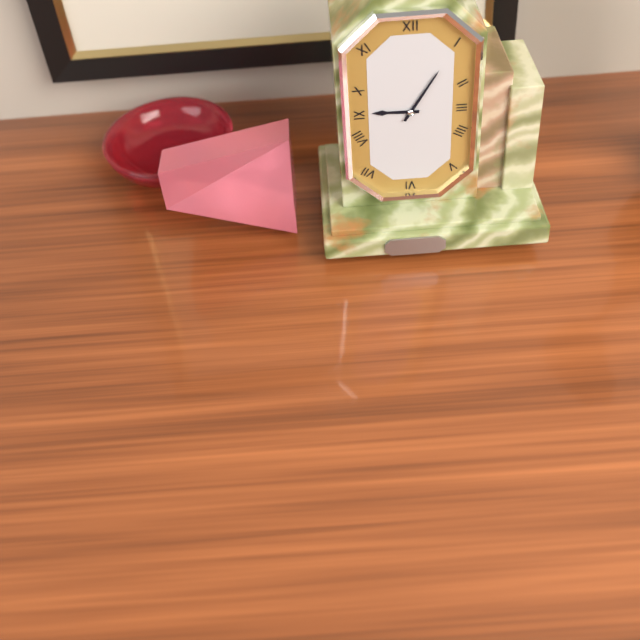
9:05
